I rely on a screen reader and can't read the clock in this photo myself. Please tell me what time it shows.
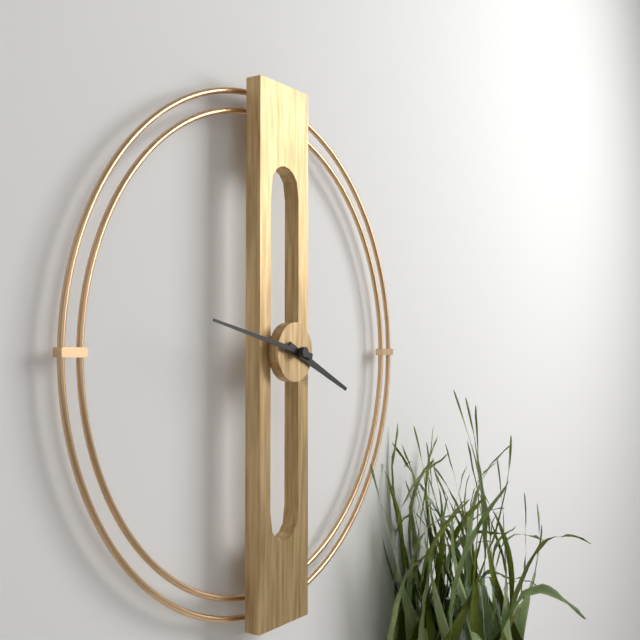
3:47
